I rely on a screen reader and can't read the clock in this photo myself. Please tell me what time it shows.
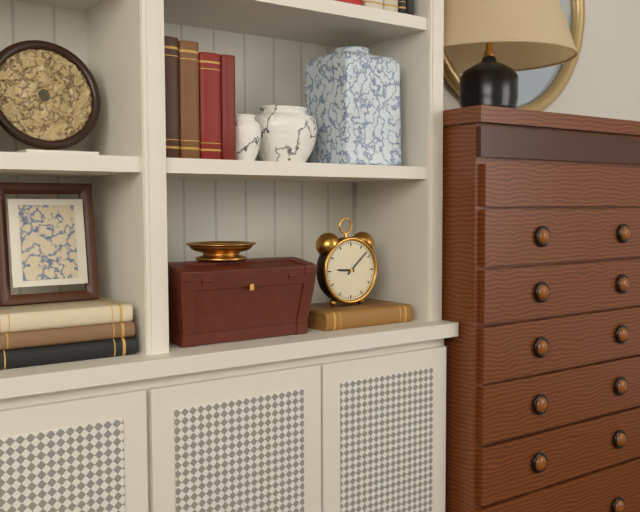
9:08
